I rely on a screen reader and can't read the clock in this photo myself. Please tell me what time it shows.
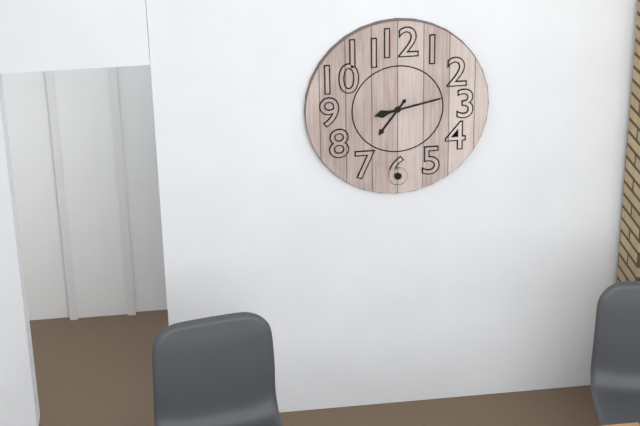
7:13
